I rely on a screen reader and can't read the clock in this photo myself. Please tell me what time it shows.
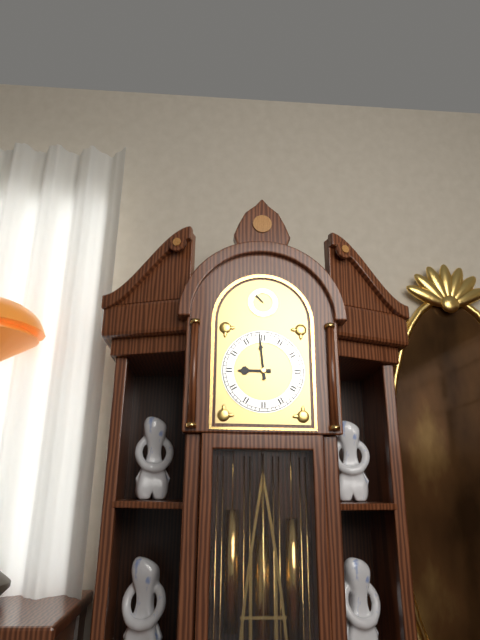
8:59
